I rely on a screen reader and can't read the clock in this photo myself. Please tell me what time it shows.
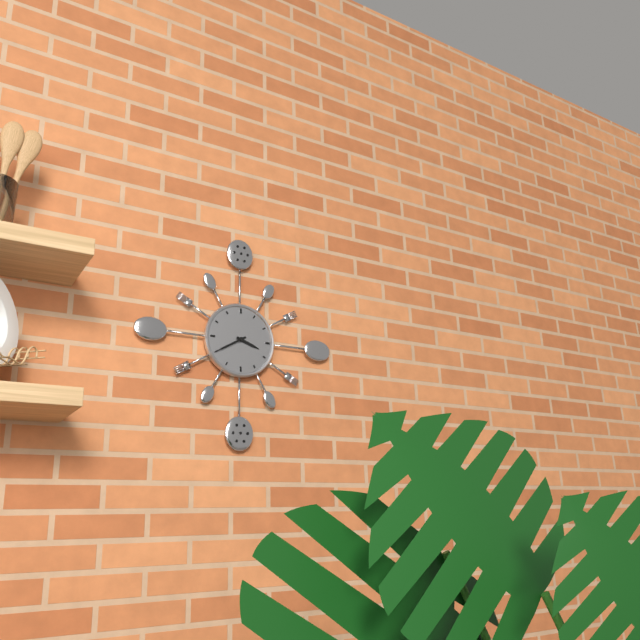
3:40
